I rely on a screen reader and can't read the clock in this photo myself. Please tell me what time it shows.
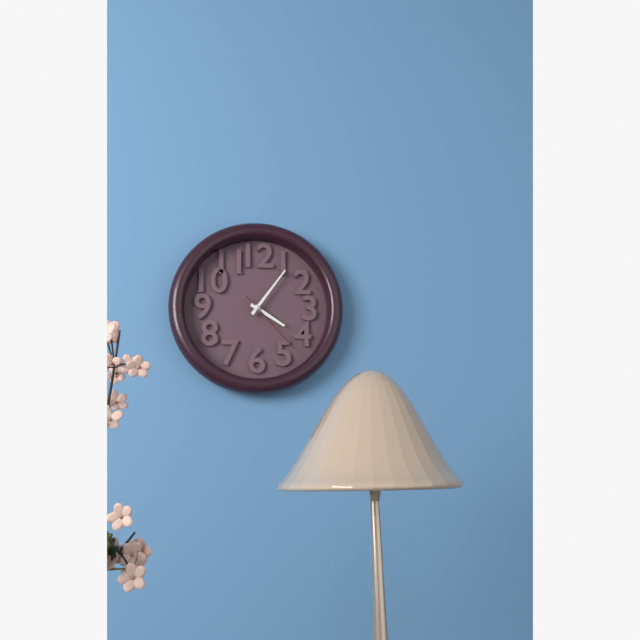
4:06:23
